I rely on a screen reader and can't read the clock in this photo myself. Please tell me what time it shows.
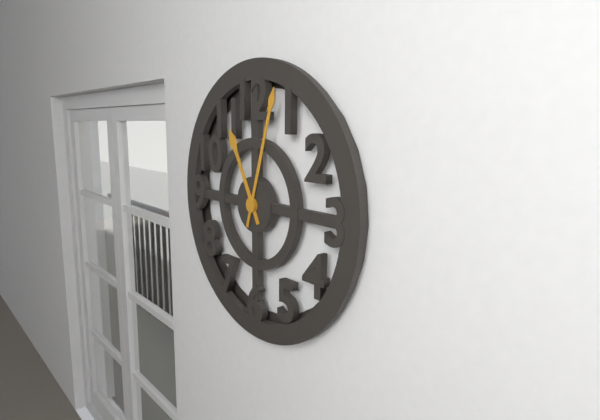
11:03
